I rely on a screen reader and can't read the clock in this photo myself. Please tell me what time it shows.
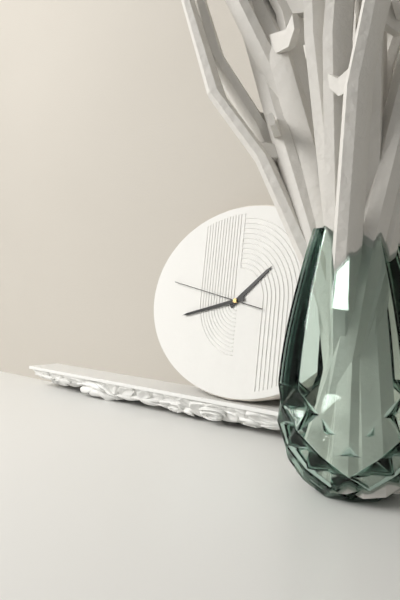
1:43:47
